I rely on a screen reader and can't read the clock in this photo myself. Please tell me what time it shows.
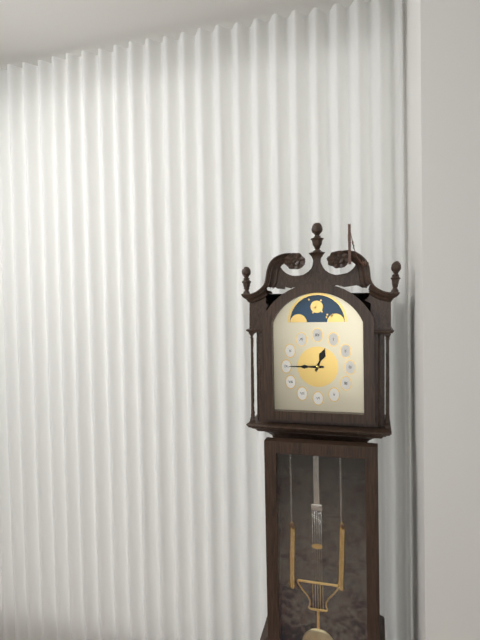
12:45
